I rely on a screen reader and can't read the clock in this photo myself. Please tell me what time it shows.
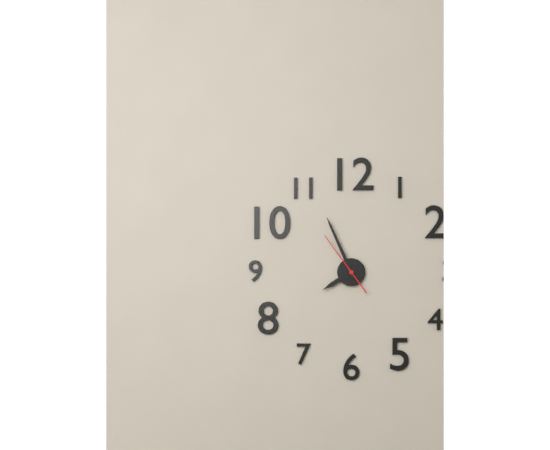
7:56:54
